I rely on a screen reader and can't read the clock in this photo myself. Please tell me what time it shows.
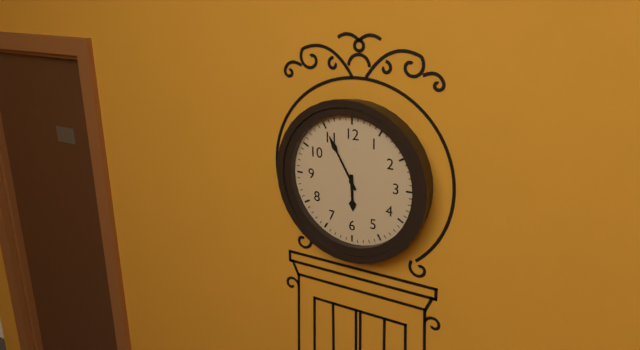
5:55
